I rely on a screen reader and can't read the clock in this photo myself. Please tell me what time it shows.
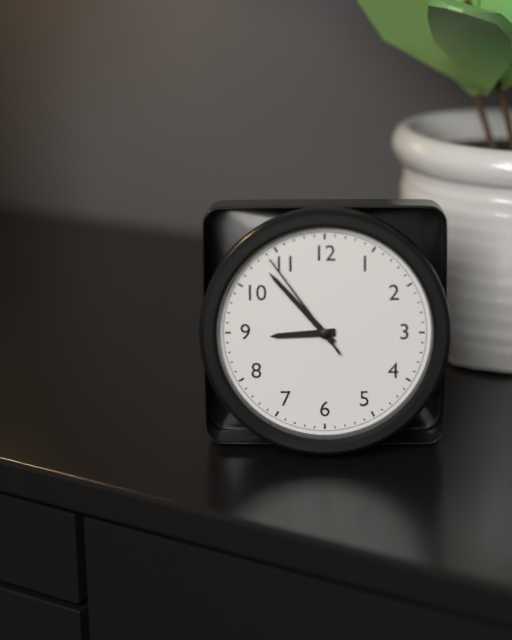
8:53:54
